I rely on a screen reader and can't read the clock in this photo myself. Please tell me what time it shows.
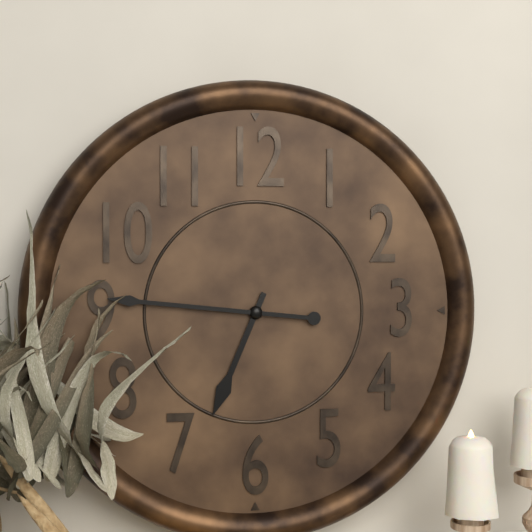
6:46
